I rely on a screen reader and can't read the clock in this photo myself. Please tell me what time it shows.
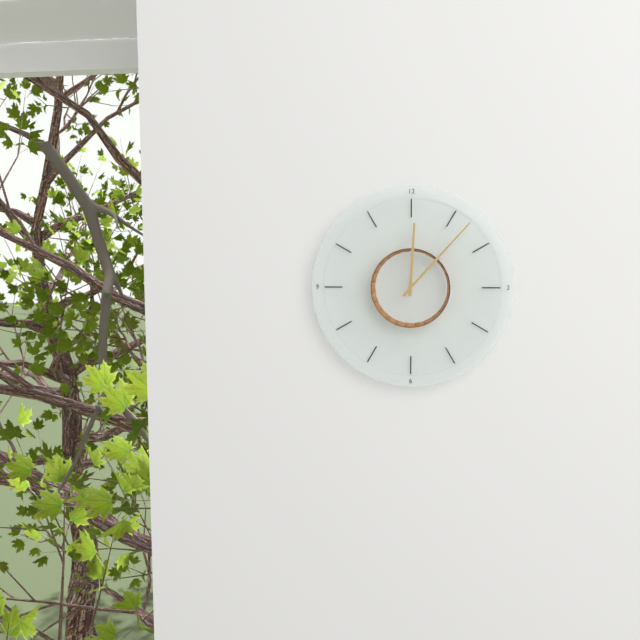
12:07
